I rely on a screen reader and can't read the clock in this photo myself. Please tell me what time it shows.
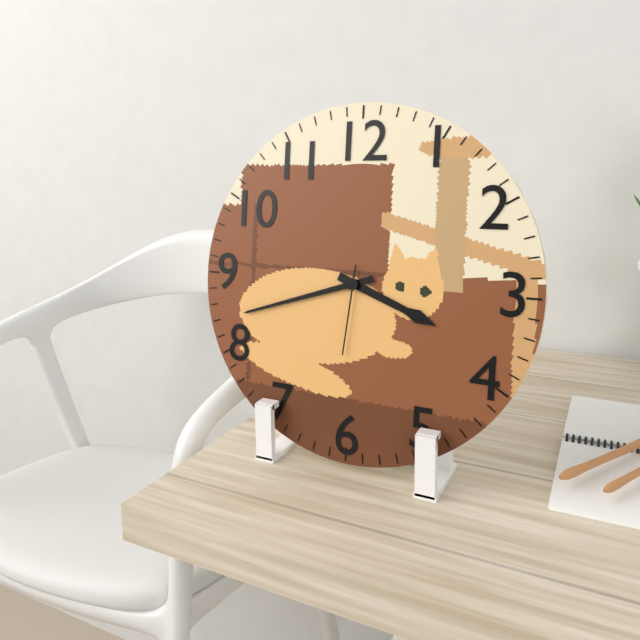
3:42:31
